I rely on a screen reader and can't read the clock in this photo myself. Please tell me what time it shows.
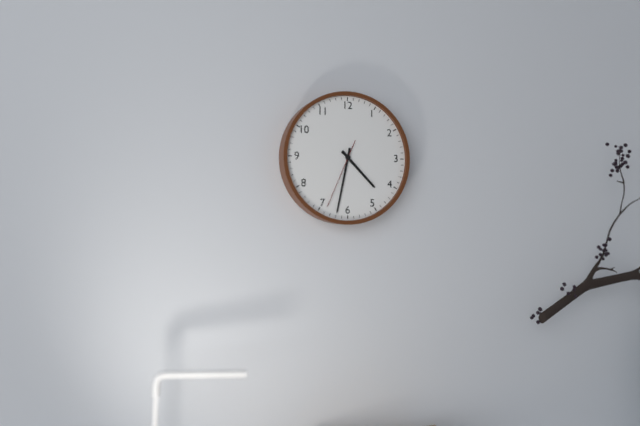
4:32:34
